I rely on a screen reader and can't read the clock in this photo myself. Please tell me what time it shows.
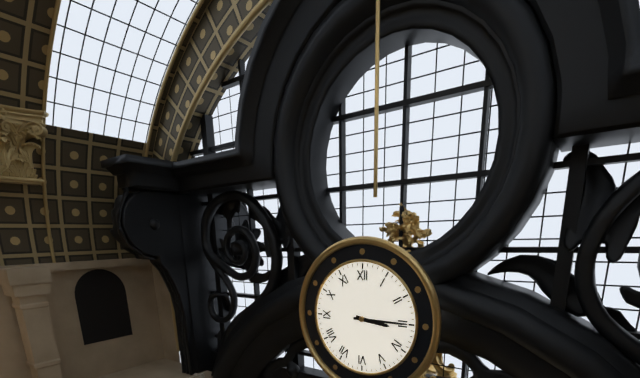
3:15
